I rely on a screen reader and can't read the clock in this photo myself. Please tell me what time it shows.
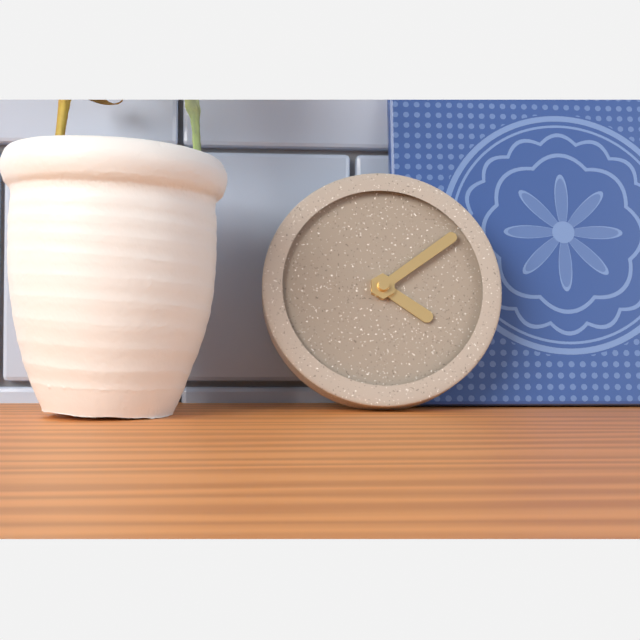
4:09
